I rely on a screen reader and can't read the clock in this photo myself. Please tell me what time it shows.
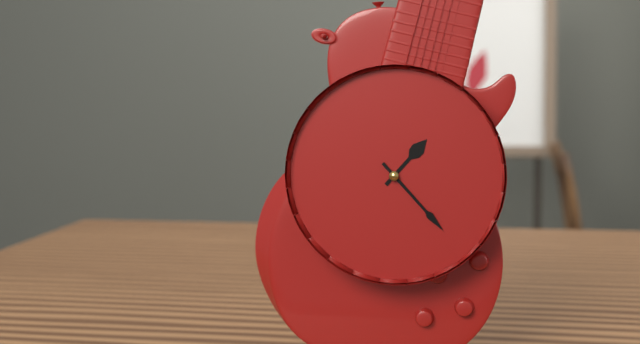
1:23
